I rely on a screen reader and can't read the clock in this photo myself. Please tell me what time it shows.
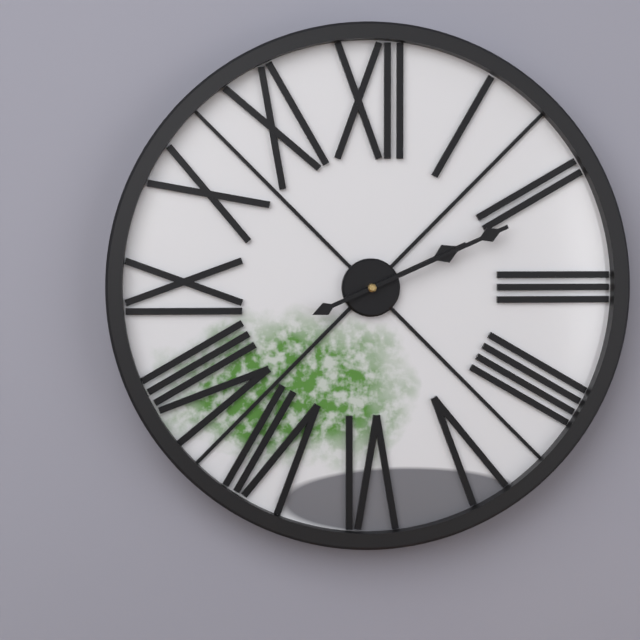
2:11
